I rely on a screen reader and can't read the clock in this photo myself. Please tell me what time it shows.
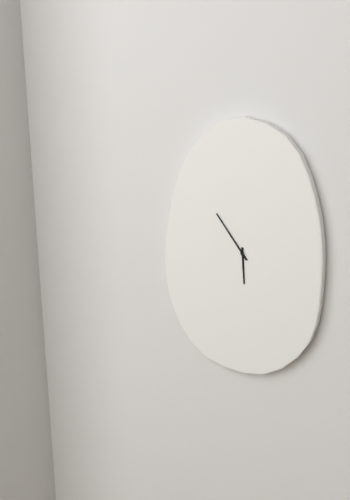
5:54
